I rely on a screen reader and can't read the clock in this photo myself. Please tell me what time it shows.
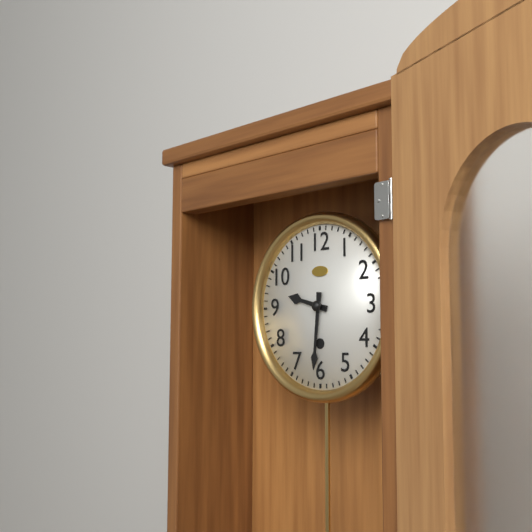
9:31
